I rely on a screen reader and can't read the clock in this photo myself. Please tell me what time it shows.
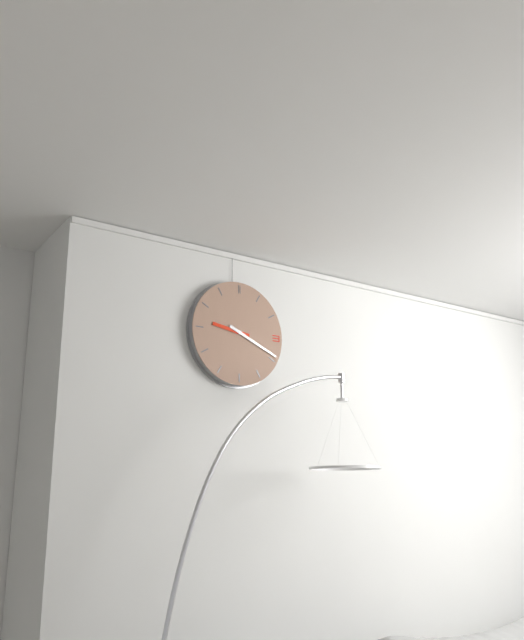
9:19
